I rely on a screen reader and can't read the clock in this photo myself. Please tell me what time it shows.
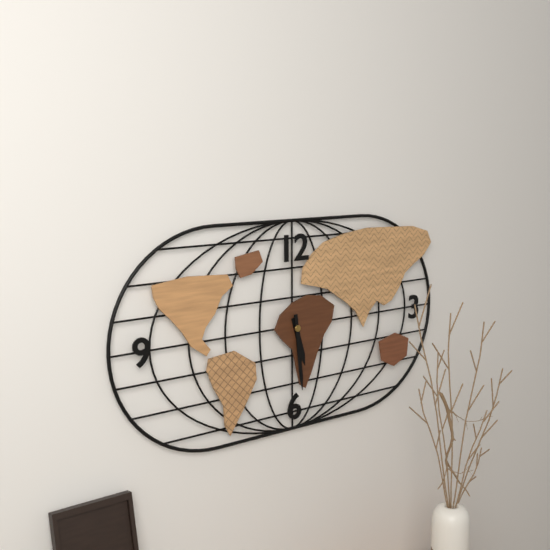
5:29
